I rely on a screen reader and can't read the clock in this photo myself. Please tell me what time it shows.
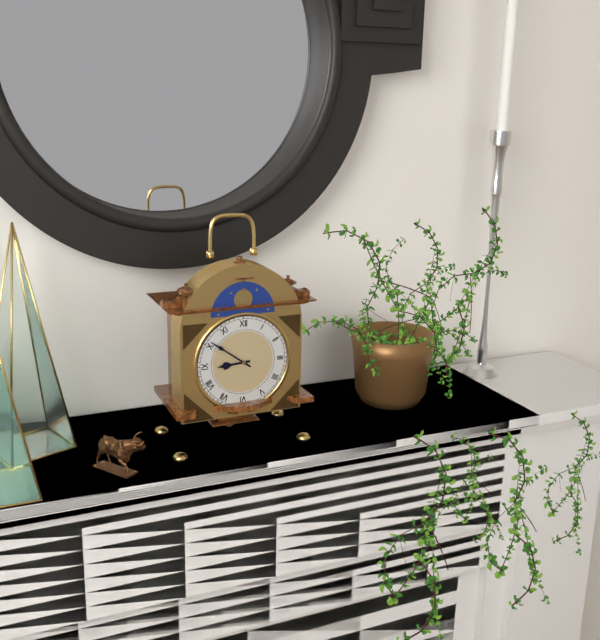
8:51
